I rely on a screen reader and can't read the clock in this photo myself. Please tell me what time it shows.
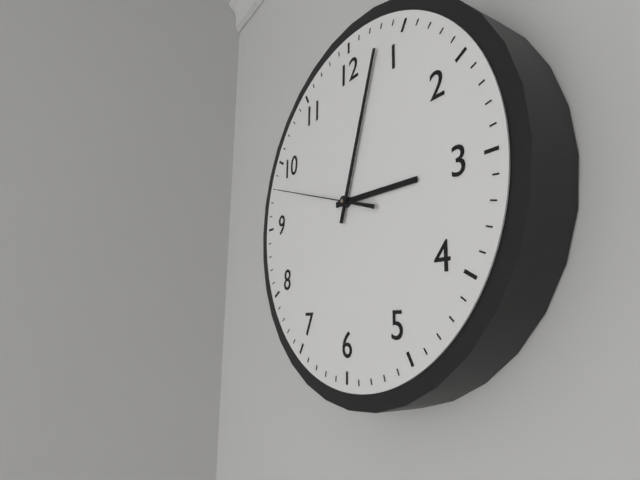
3:03:48
